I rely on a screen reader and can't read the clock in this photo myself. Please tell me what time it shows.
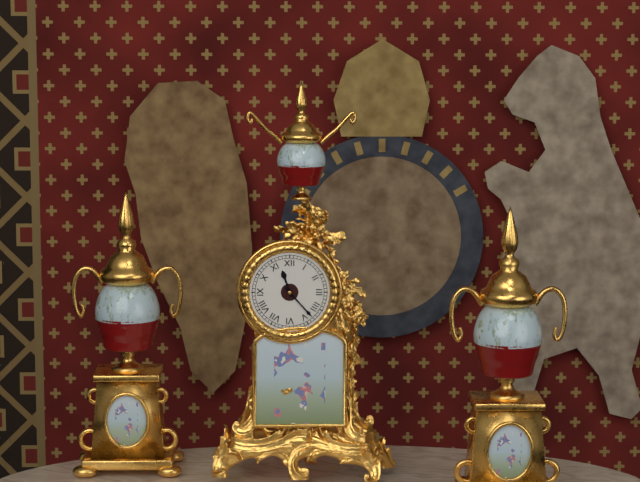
11:23
